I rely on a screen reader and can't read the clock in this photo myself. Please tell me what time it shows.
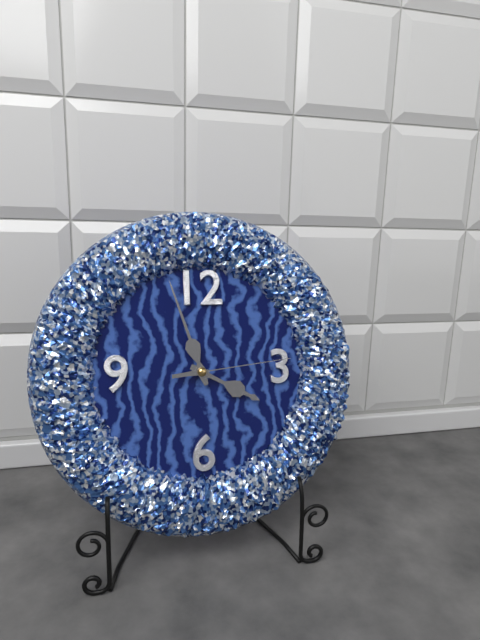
3:57:14
